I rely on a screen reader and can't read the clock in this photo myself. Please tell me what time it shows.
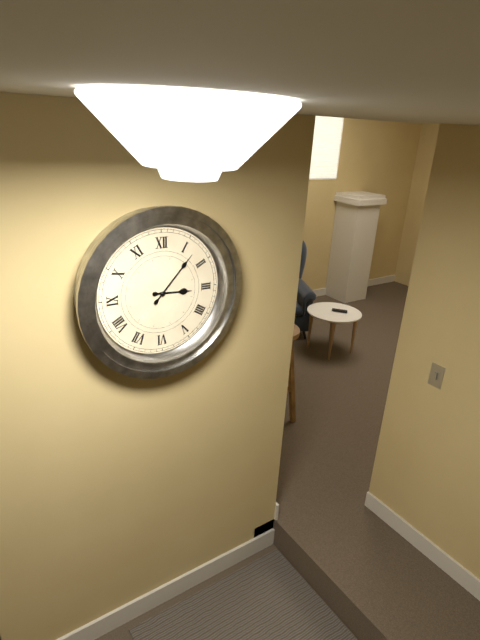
3:07
